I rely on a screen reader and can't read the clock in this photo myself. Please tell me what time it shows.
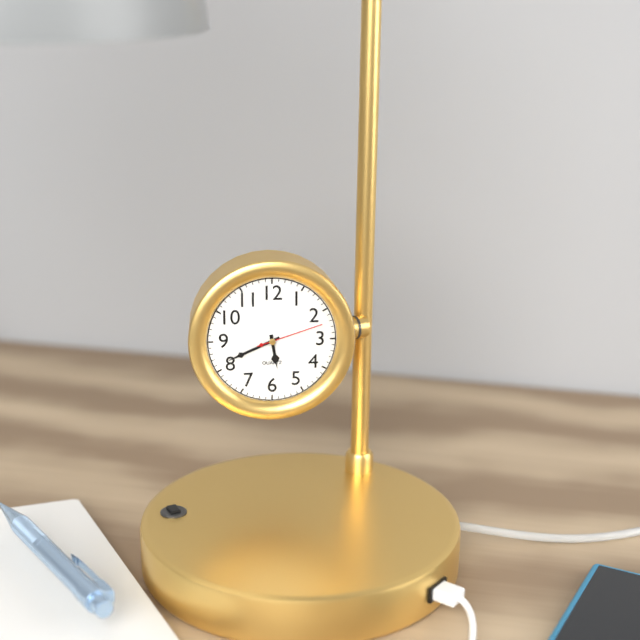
5:41:12
